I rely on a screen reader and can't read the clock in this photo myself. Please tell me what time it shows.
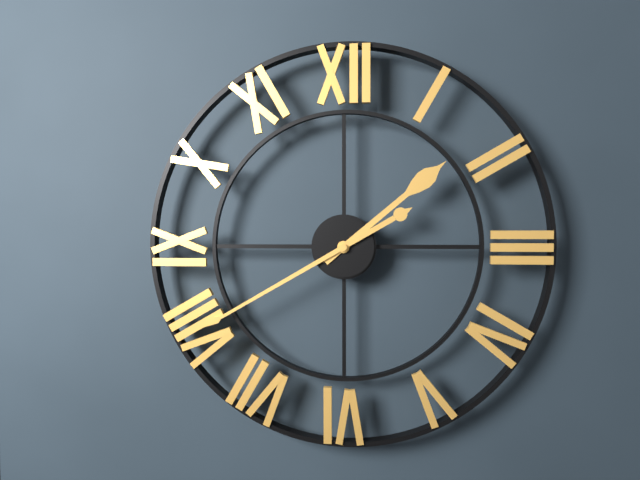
1:40
